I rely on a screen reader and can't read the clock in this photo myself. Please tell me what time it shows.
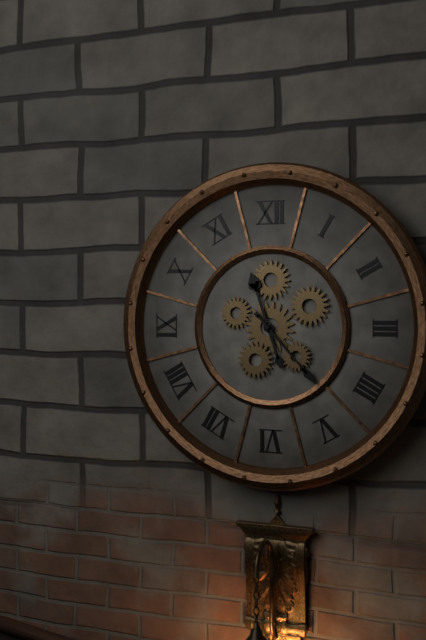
11:23
